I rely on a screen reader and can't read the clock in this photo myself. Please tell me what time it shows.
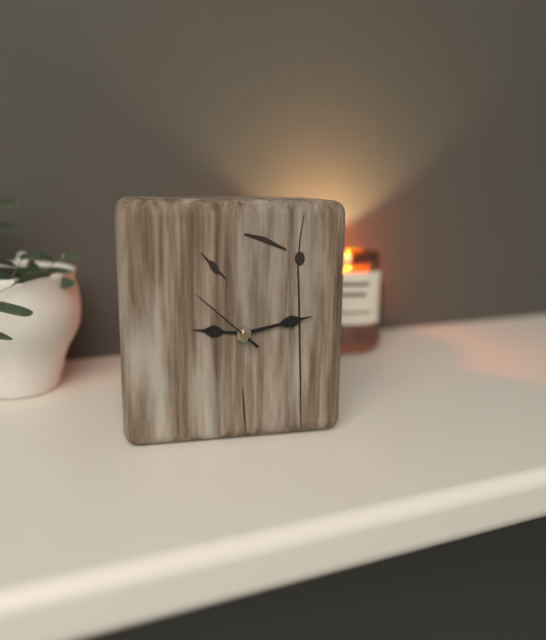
9:13:52
